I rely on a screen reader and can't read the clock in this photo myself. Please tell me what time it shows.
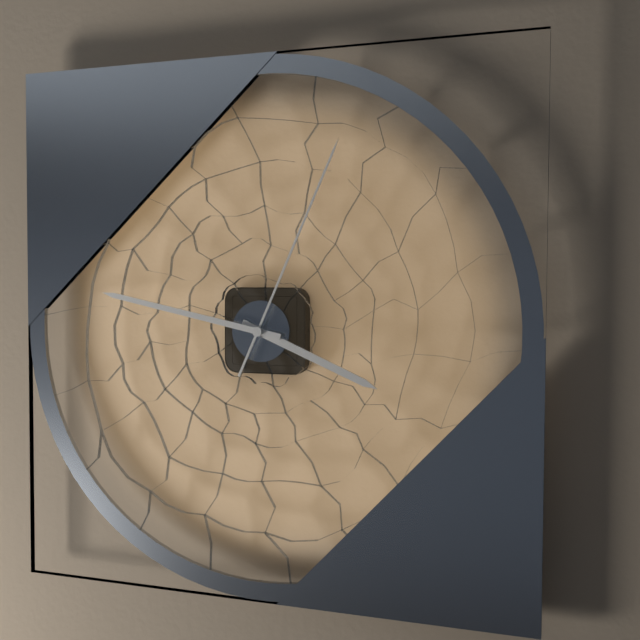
3:47:04
